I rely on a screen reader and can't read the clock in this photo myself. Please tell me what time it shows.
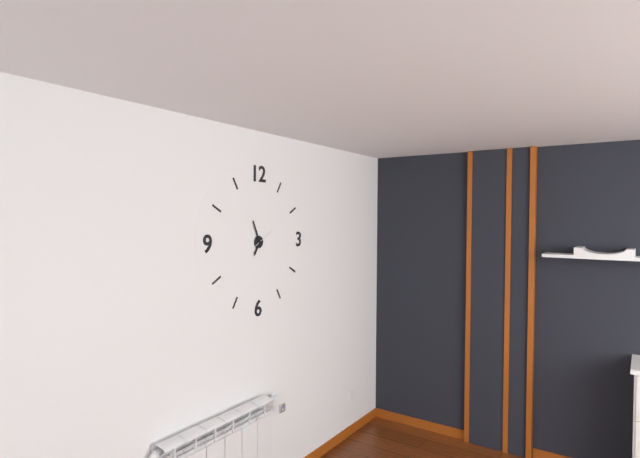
6:56
